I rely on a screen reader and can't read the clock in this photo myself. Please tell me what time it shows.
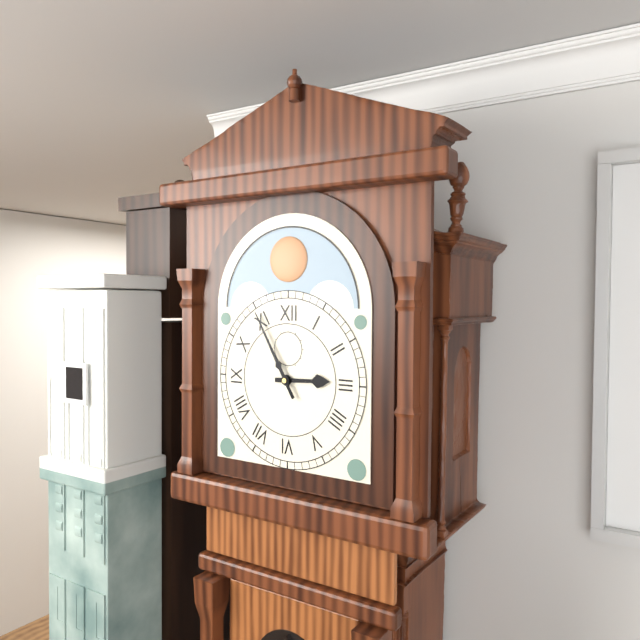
2:55
